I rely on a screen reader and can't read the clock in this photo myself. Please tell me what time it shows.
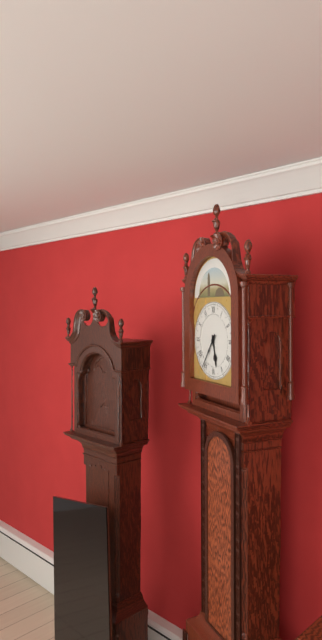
5:36
